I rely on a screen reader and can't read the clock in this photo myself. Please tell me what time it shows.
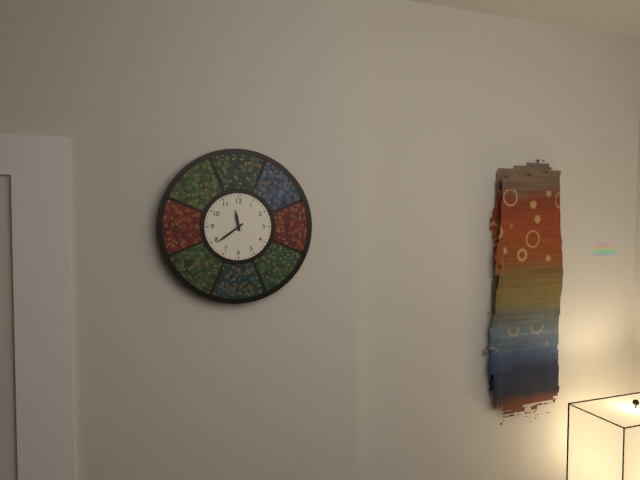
11:39
